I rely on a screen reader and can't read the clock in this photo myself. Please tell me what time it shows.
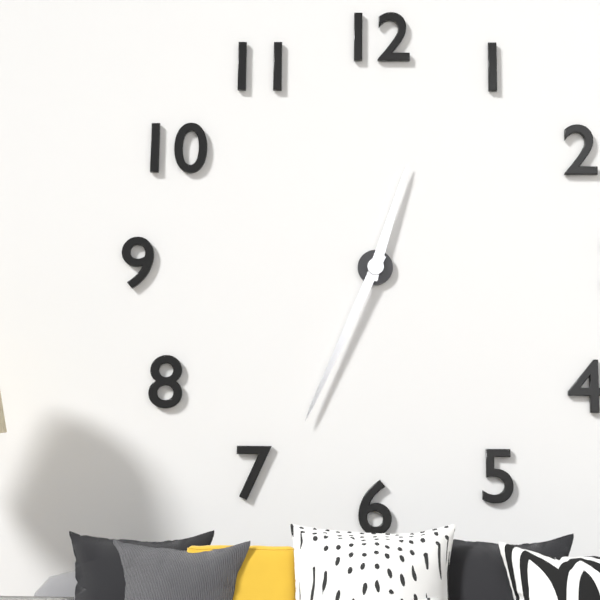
12:34
